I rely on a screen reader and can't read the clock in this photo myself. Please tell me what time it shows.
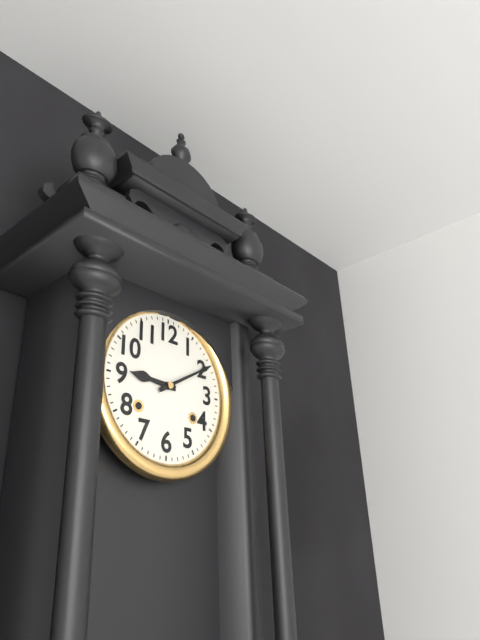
9:10
